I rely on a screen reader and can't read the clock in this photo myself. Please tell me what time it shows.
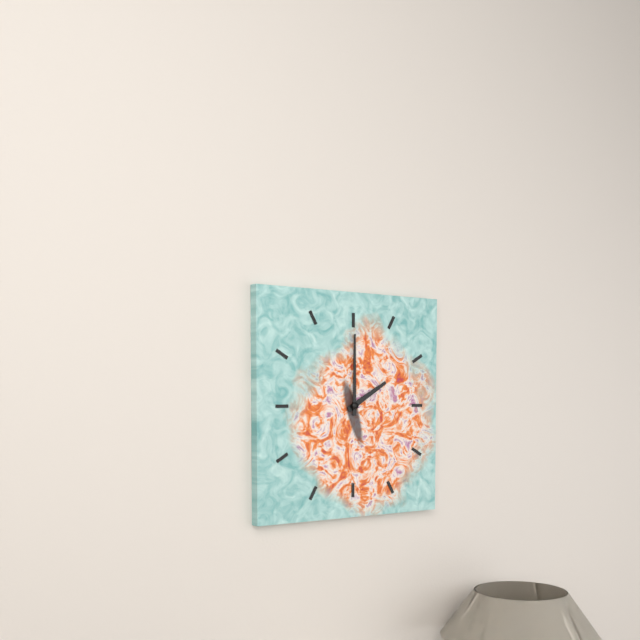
2:00
